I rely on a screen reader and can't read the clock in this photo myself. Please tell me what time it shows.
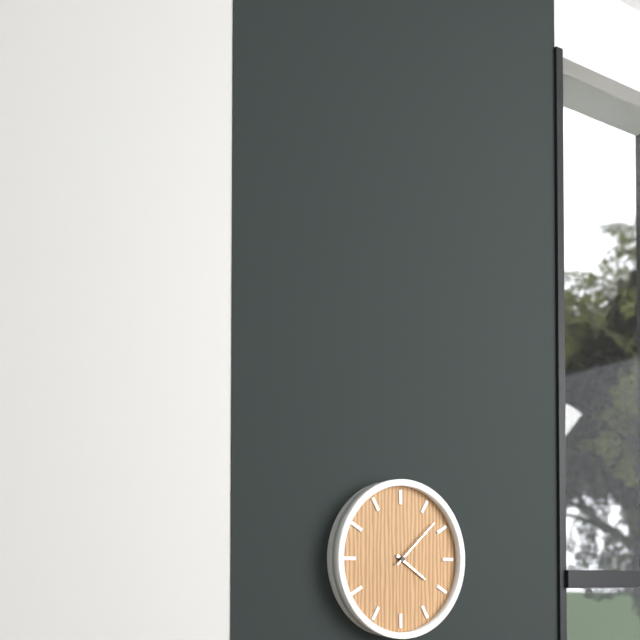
4:08
